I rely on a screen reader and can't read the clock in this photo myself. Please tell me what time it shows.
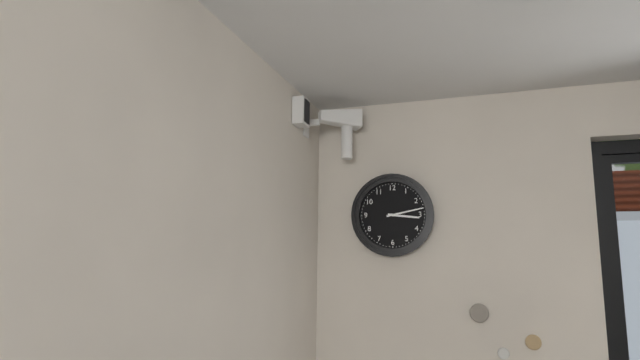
3:13
